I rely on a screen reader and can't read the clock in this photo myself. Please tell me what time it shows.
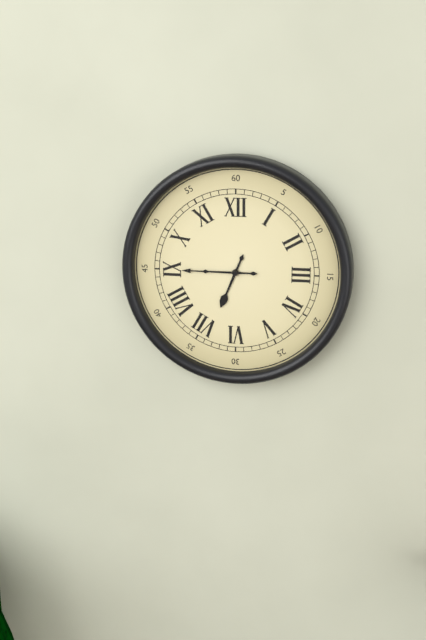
6:45
